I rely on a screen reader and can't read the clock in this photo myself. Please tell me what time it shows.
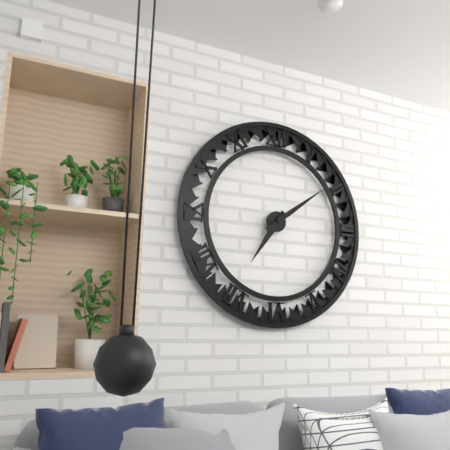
7:09
